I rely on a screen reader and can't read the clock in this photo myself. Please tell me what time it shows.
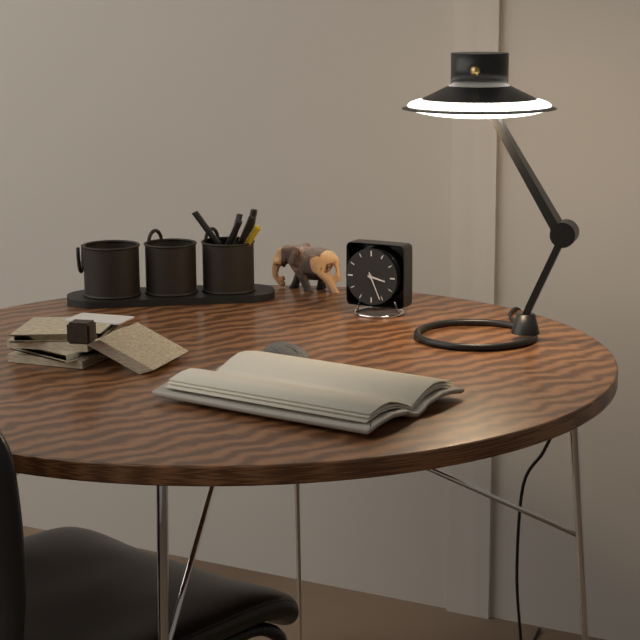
3:26
